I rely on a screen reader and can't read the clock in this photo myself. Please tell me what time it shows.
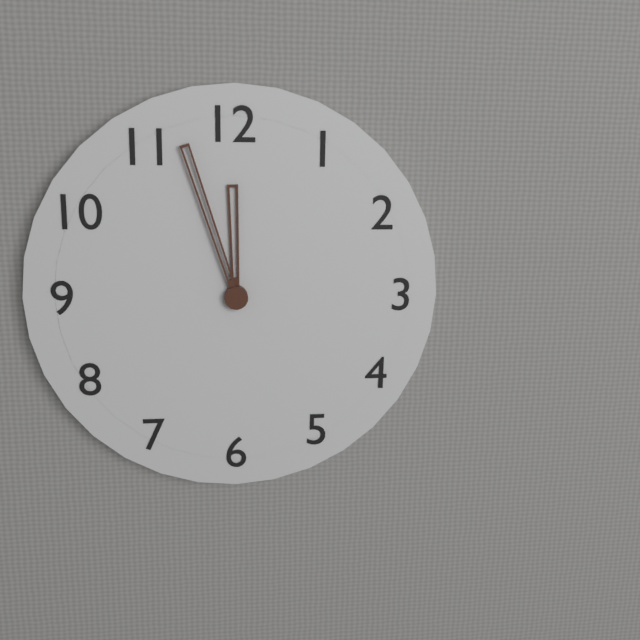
11:57
